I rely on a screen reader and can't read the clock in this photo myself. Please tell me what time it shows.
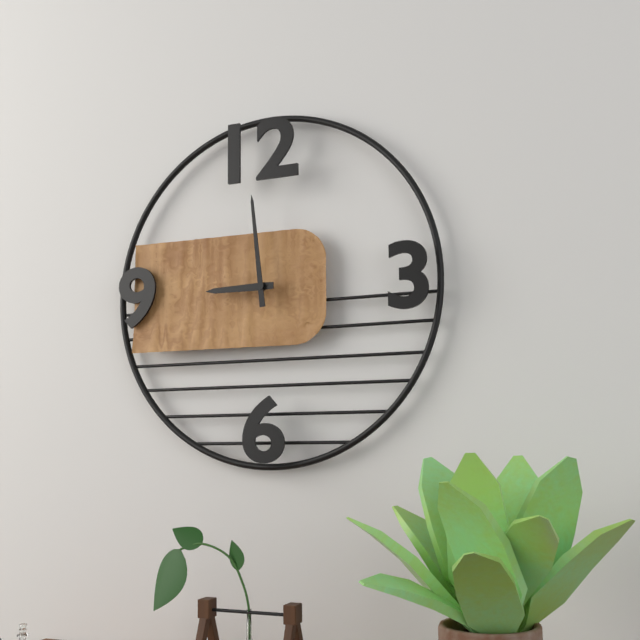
8:59
